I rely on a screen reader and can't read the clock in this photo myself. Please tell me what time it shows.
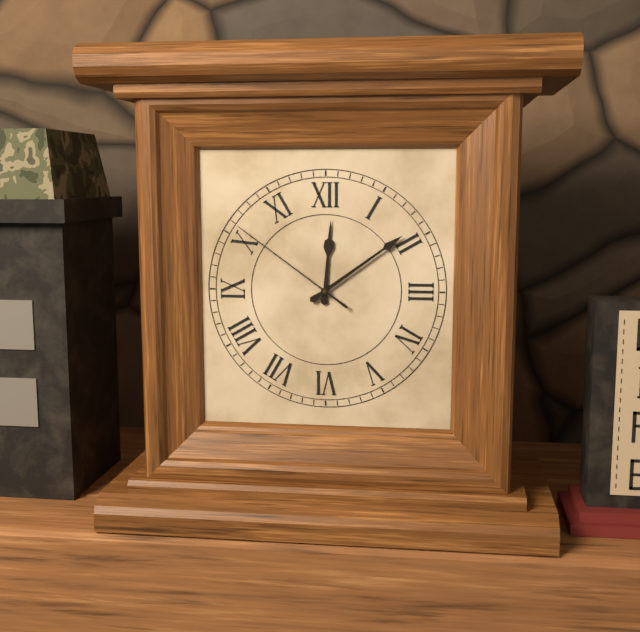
12:09:51
